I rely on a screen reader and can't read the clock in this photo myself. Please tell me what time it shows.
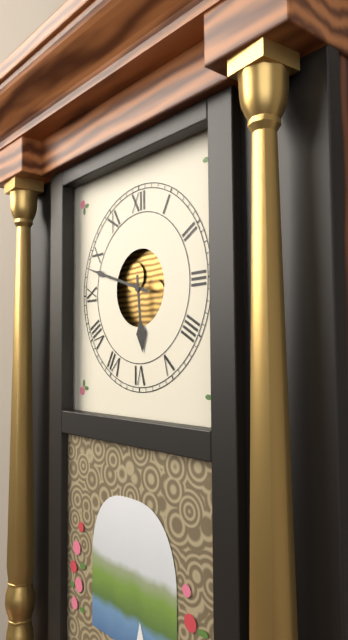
5:48
